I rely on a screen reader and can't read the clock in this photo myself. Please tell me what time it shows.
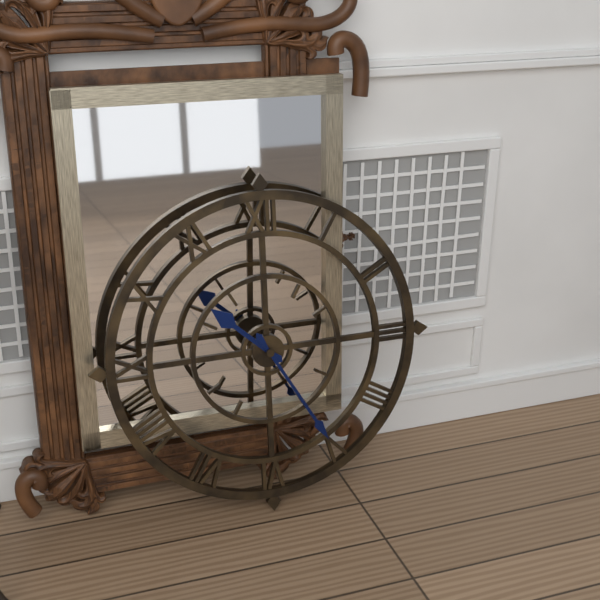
10:25
